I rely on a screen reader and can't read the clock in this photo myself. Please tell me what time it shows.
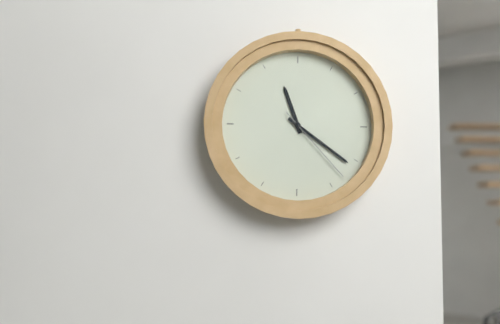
11:21:23
